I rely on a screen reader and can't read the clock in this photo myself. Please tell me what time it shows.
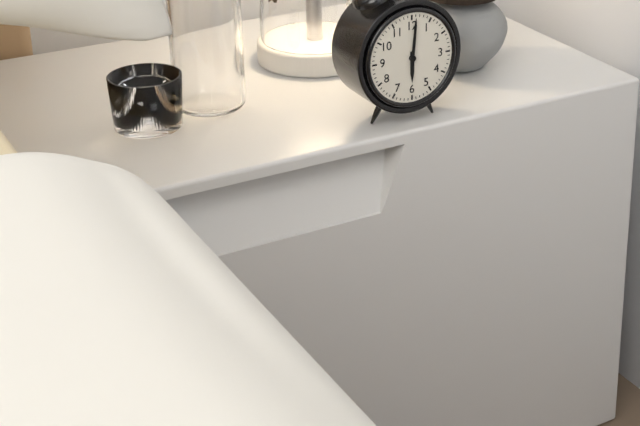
6:01
